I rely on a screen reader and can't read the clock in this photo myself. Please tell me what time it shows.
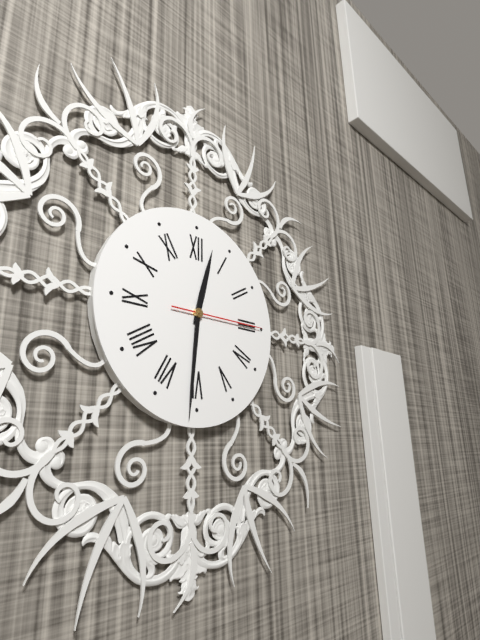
12:31:15
